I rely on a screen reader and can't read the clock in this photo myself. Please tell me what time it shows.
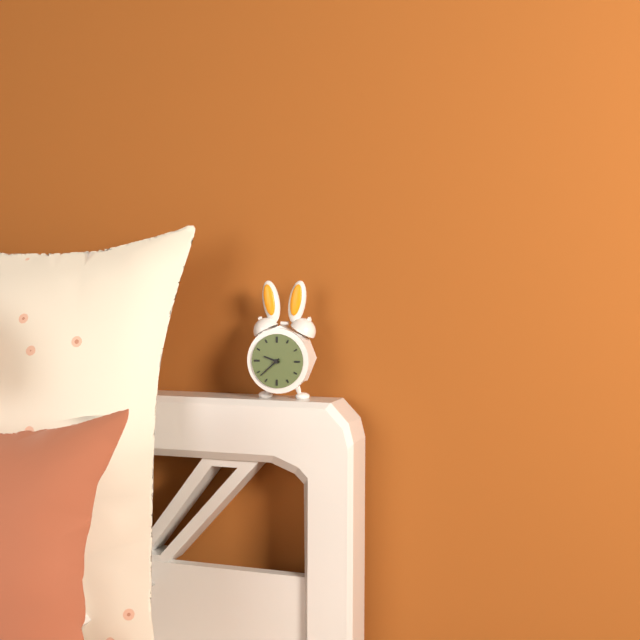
9:38
